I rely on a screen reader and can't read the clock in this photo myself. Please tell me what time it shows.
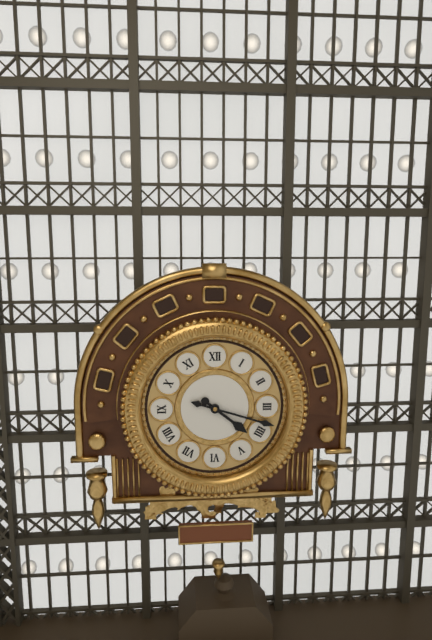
4:18
